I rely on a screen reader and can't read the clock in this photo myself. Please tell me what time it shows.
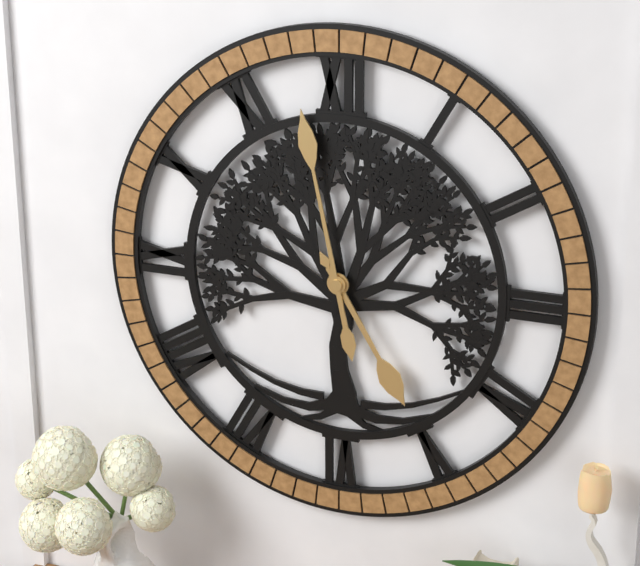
4:58
